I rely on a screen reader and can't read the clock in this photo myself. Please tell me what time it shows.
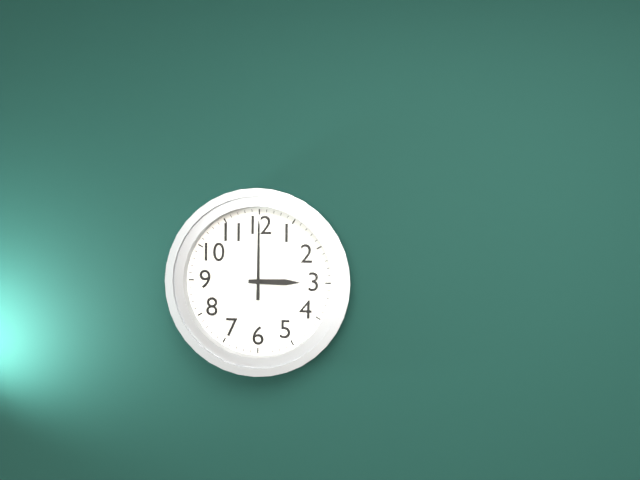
3:00
